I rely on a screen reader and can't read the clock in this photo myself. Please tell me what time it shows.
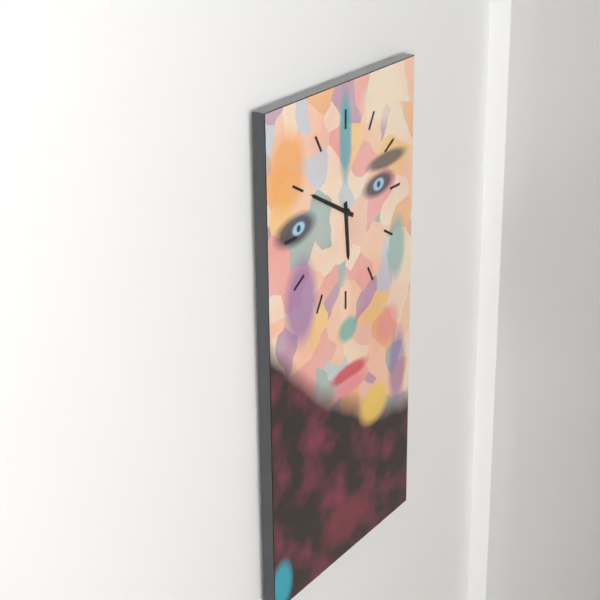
5:50
